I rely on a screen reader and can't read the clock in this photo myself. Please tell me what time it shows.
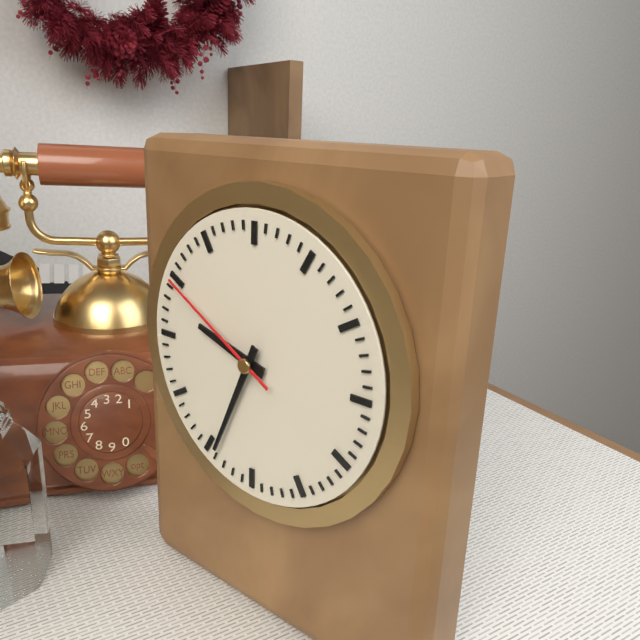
9:34:50
